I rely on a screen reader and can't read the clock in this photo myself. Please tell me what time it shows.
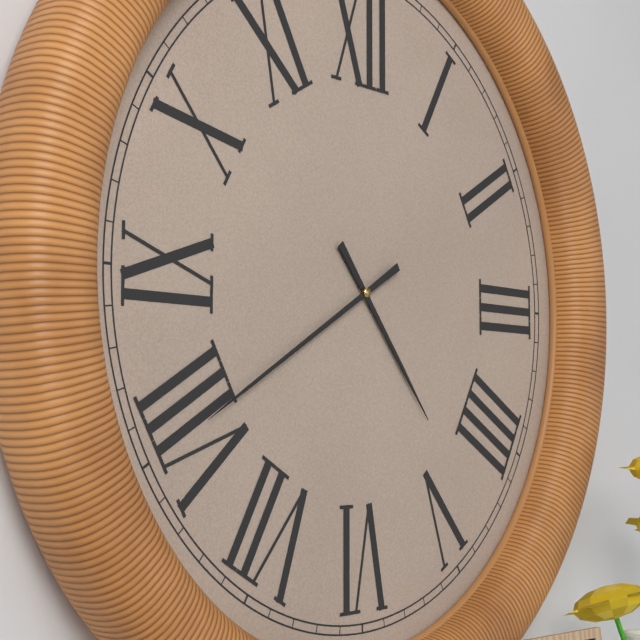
4:40
